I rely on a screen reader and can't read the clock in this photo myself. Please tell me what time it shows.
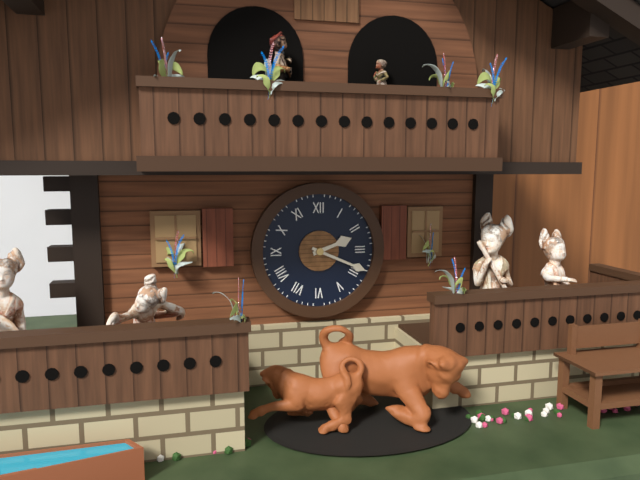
2:19
